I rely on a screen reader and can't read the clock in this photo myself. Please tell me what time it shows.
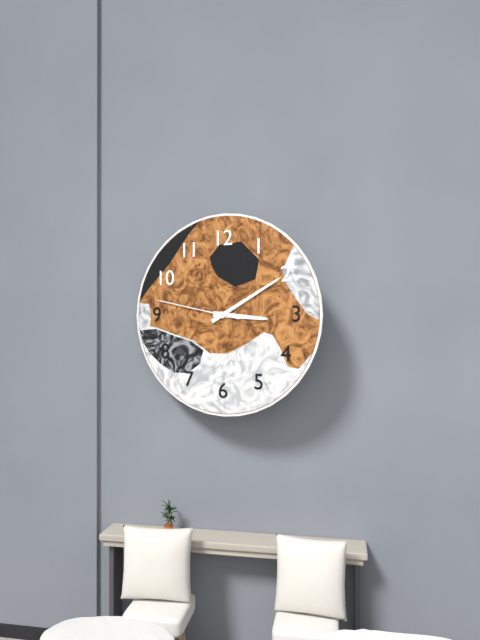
3:10:47
